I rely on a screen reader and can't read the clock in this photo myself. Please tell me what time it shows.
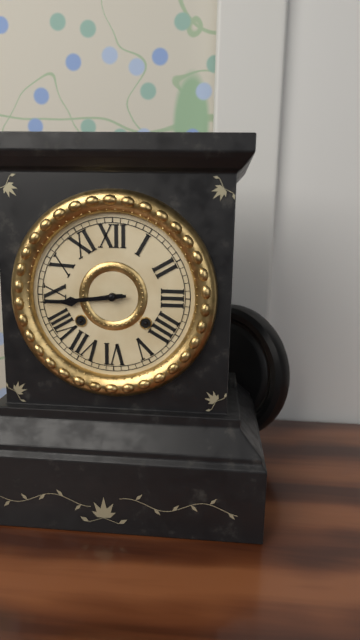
8:44
